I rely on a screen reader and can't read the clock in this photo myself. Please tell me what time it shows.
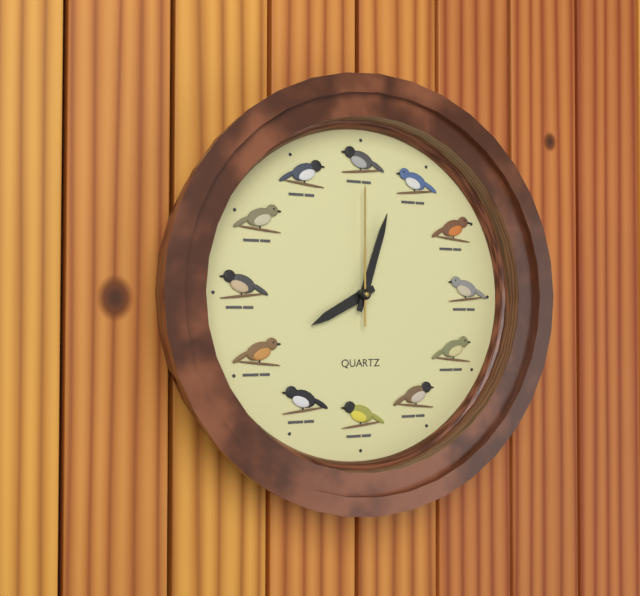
8:03:00
